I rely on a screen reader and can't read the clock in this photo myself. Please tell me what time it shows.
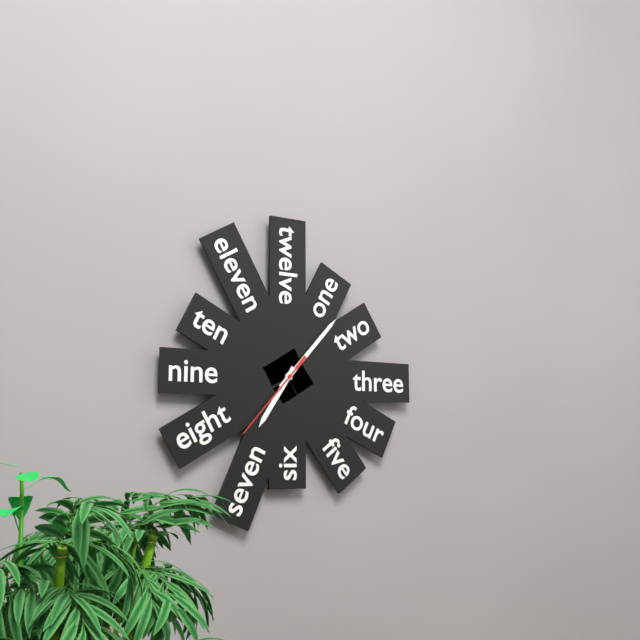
7:07:37
